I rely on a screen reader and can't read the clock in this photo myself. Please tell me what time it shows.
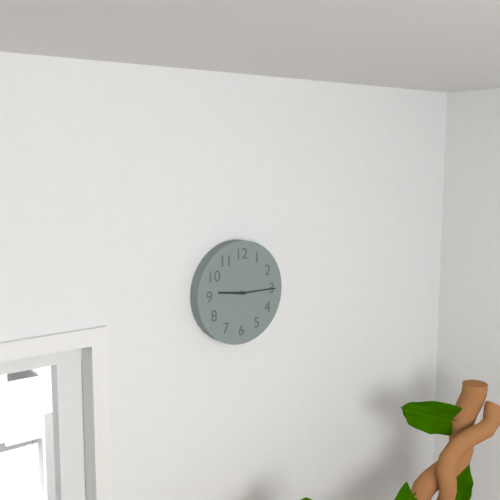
9:15
